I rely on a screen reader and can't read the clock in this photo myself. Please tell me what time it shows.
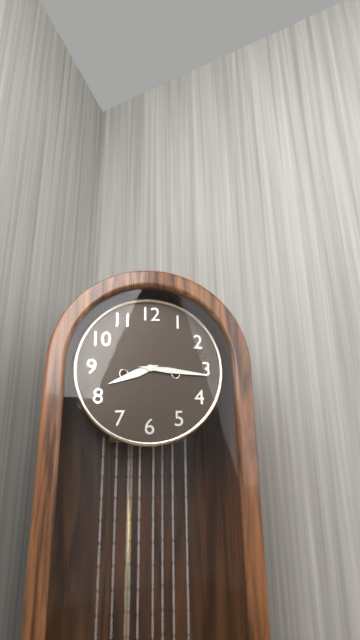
8:16
